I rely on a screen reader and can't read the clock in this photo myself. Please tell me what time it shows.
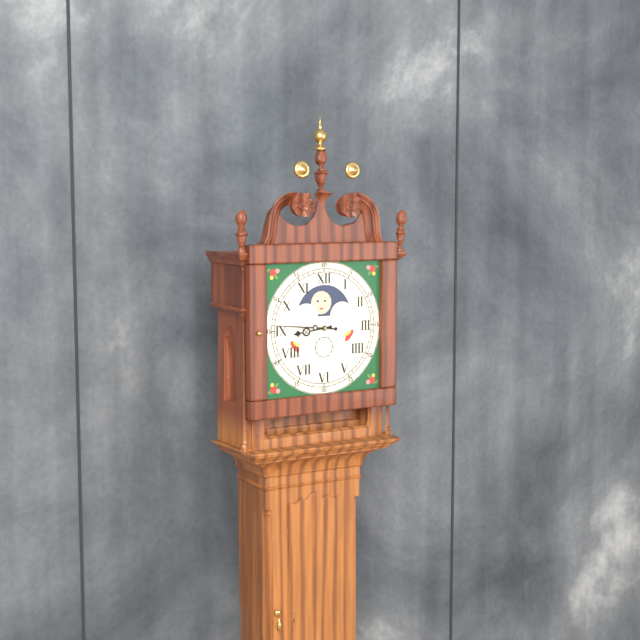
8:46
